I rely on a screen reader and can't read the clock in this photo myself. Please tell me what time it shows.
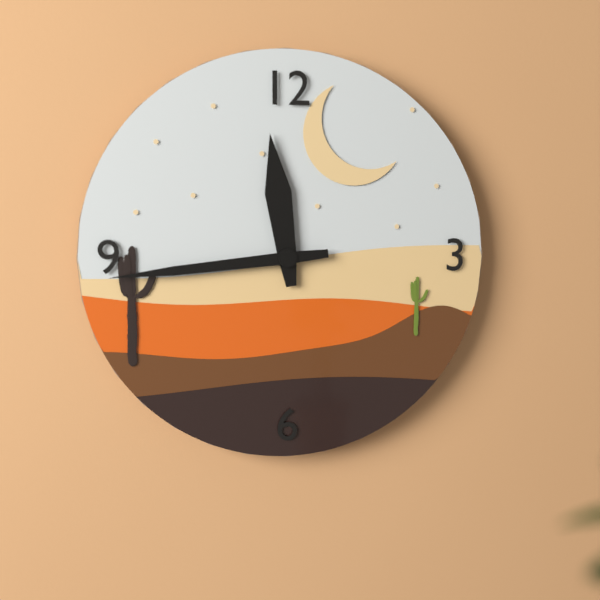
11:44
